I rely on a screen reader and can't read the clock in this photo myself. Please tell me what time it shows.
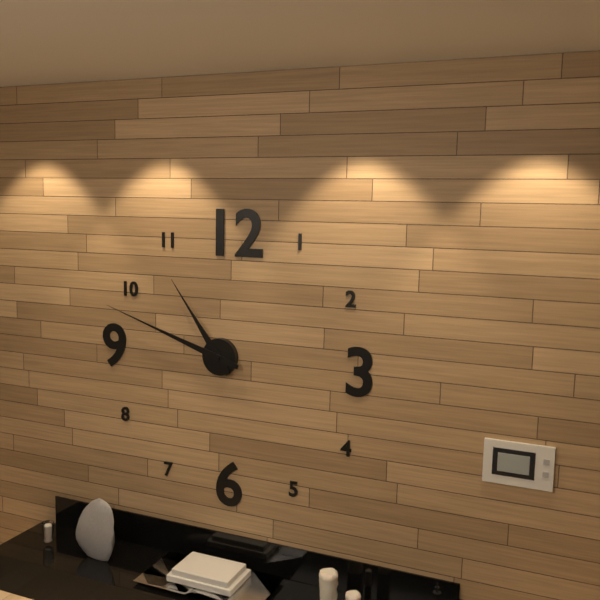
10:48
